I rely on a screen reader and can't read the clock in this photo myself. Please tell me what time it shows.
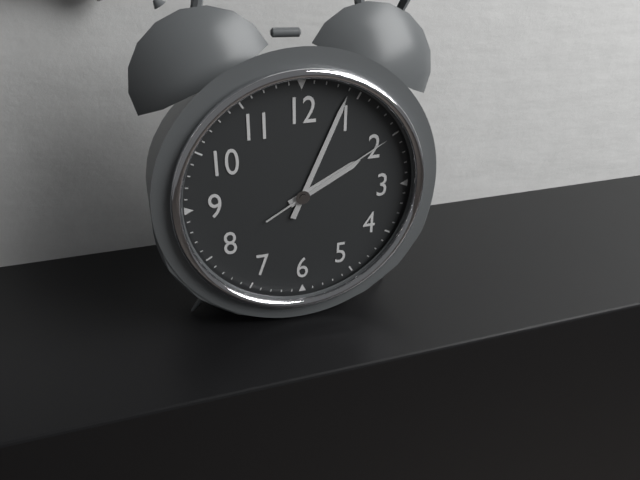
2:04:10
